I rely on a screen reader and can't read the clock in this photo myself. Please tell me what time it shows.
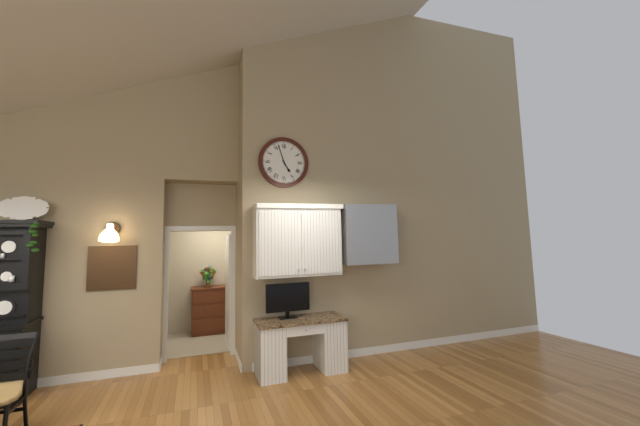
4:57
